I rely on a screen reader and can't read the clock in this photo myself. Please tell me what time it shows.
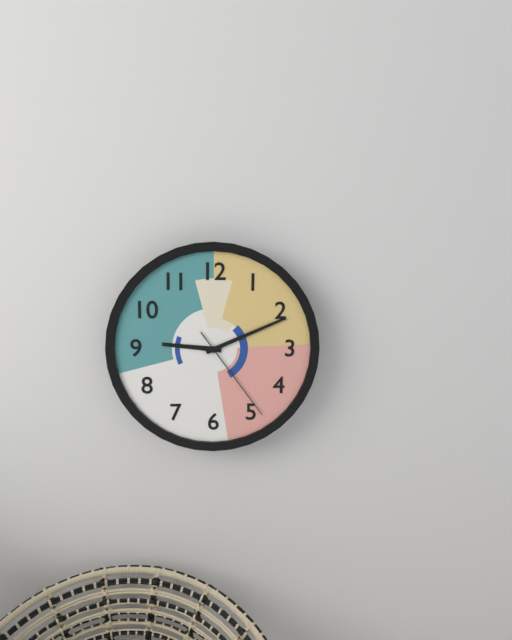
9:11:24
